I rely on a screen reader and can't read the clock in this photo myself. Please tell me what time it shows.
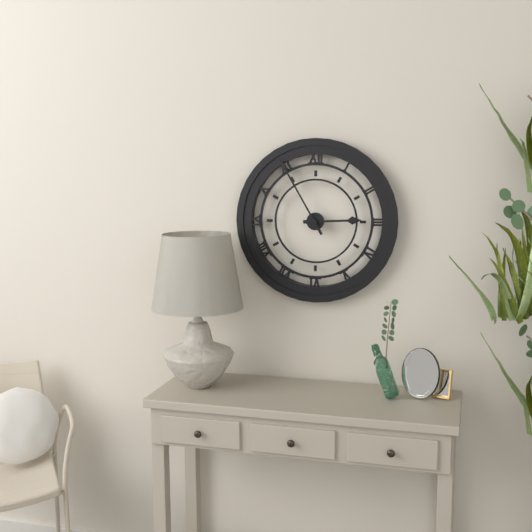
2:55
